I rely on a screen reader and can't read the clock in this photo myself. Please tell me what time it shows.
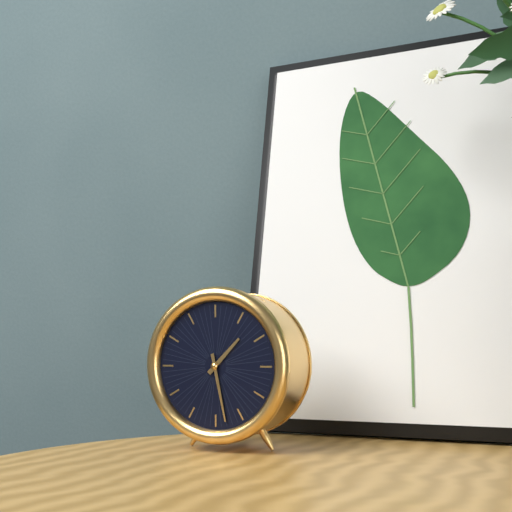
1:28
